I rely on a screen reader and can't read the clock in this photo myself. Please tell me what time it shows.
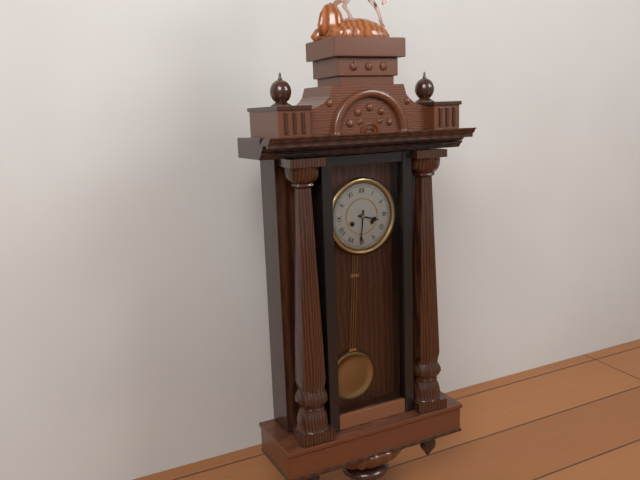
3:31
